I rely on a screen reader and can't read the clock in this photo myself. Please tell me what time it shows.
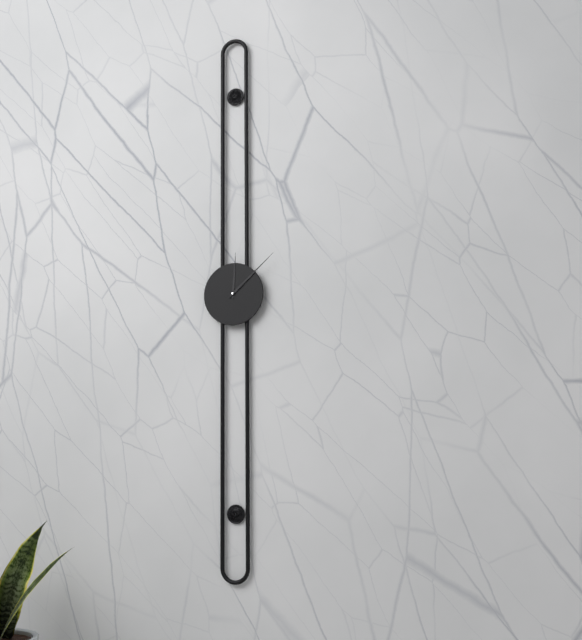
12:08
